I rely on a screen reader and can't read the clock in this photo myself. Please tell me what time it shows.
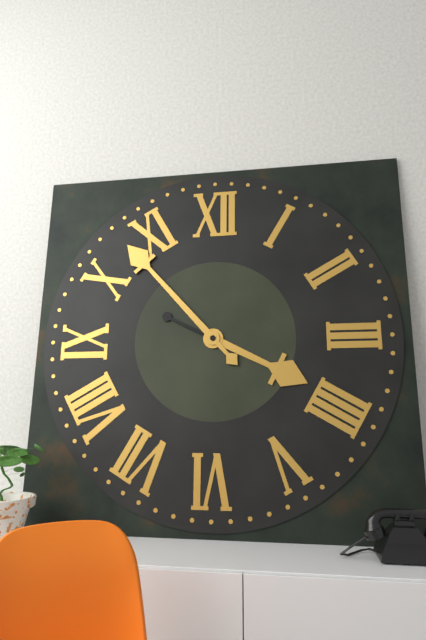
3:53
